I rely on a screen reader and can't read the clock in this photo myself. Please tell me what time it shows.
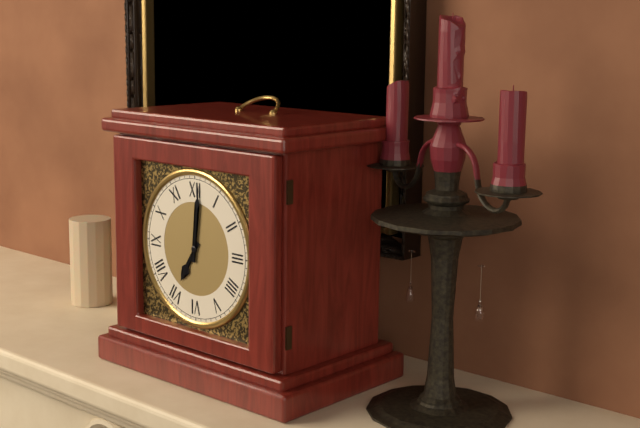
7:01
